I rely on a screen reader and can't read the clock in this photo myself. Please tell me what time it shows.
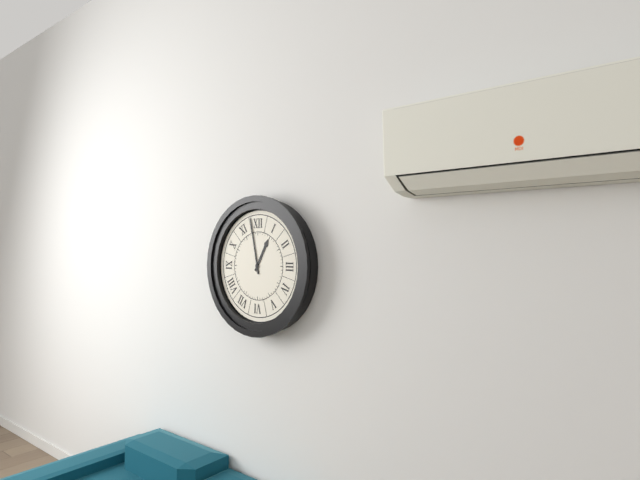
12:58
